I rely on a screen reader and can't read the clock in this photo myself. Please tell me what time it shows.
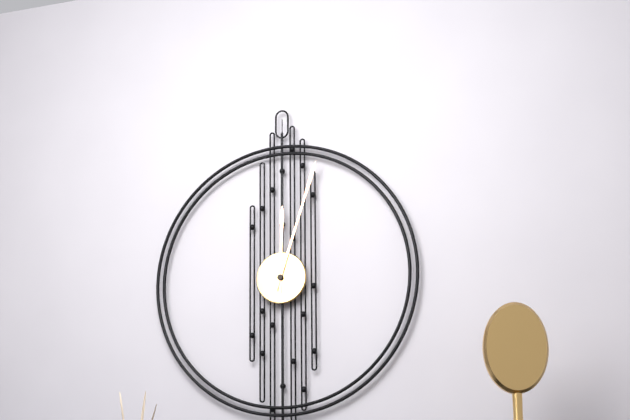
12:03
